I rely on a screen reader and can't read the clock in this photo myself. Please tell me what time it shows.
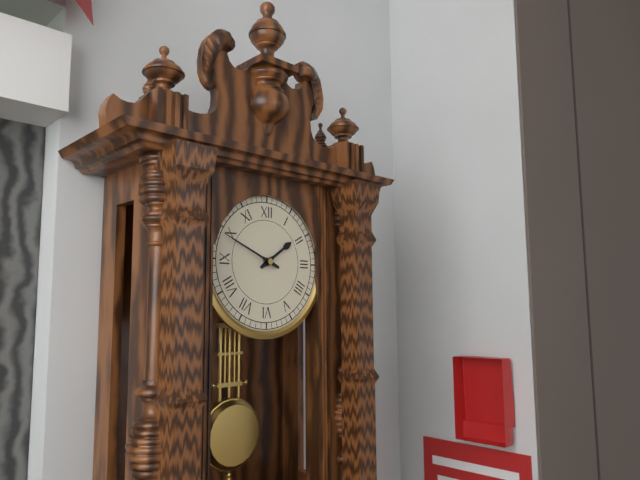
1:49
